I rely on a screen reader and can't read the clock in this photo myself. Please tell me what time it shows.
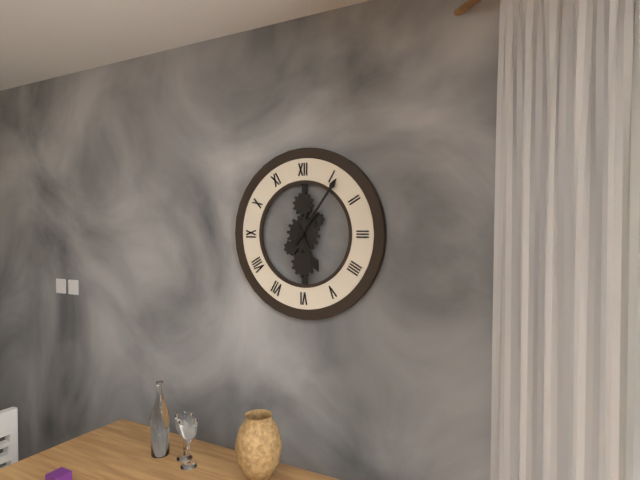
5:06
